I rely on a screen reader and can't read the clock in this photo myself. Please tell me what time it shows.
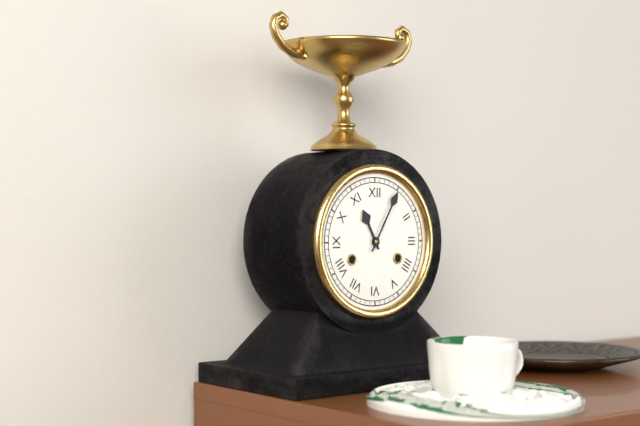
11:05
